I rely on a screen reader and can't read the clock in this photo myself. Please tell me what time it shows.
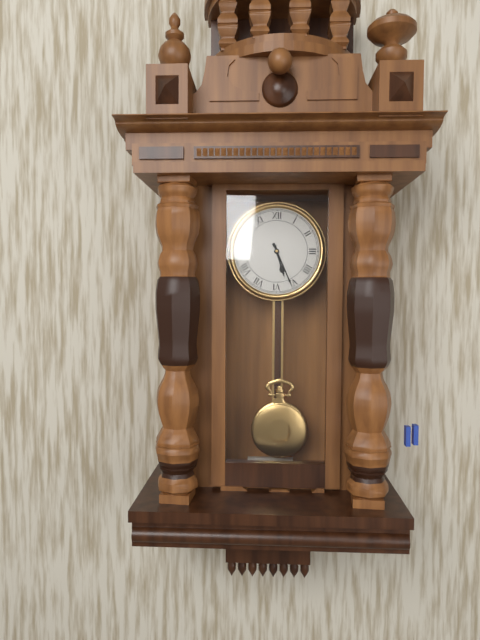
5:26
